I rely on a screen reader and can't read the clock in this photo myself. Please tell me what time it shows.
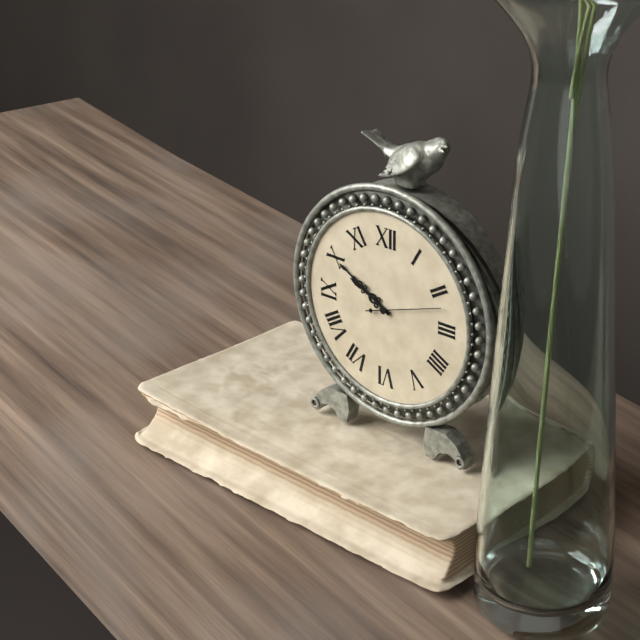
9:50:12
